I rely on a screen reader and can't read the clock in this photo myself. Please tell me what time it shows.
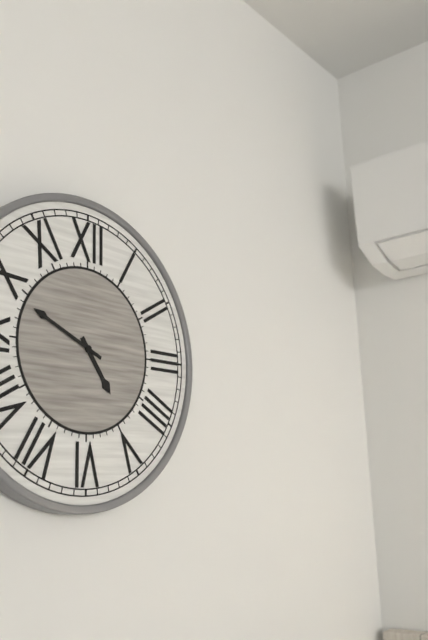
4:49
